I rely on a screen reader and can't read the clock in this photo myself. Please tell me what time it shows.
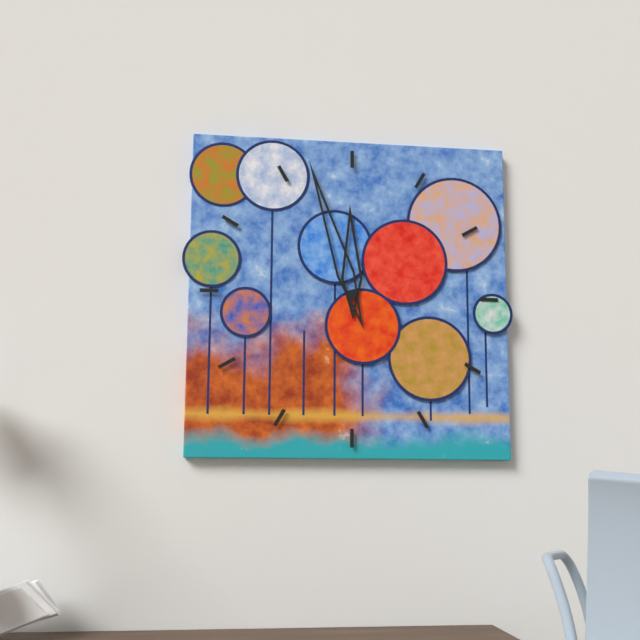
11:57
